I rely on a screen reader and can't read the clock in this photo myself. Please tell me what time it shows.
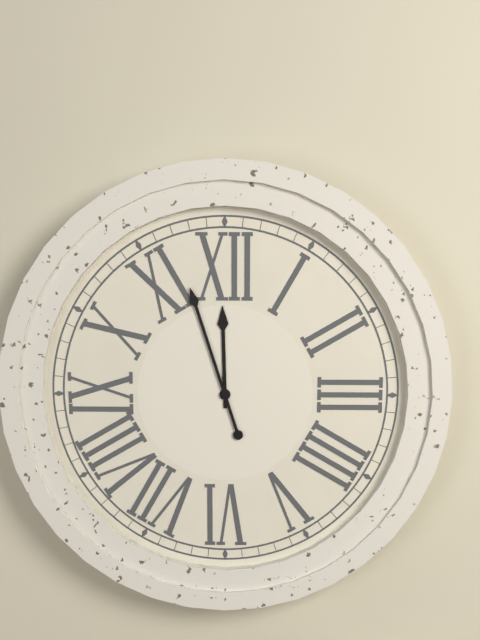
11:57
